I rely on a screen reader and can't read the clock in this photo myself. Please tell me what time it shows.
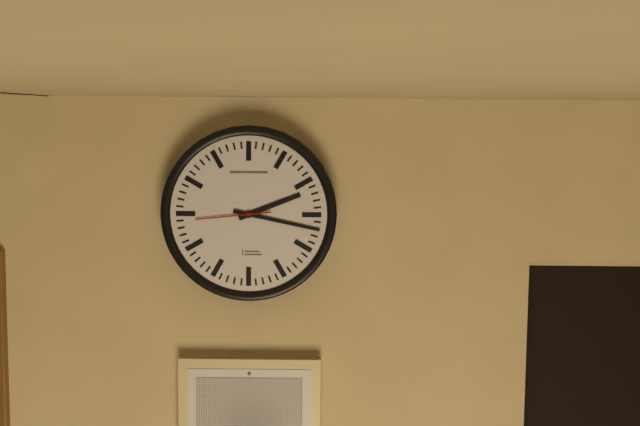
2:17:44
